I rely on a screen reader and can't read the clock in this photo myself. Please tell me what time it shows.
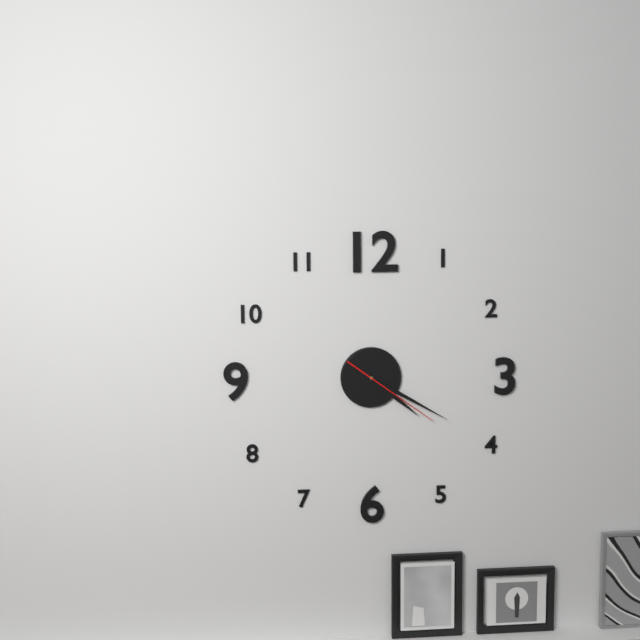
4:20:21
